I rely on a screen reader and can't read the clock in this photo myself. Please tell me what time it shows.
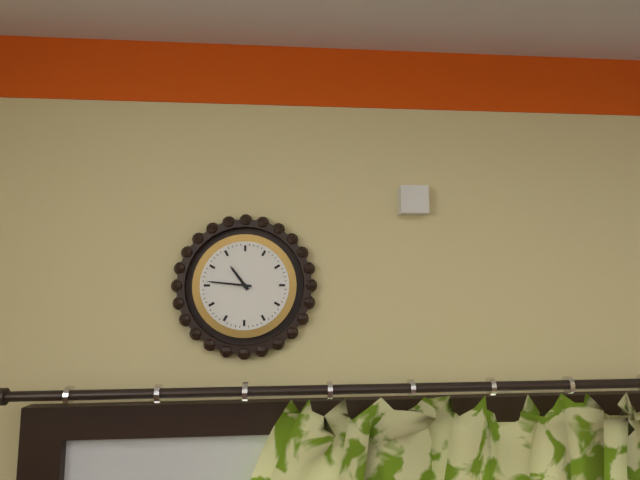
10:46
